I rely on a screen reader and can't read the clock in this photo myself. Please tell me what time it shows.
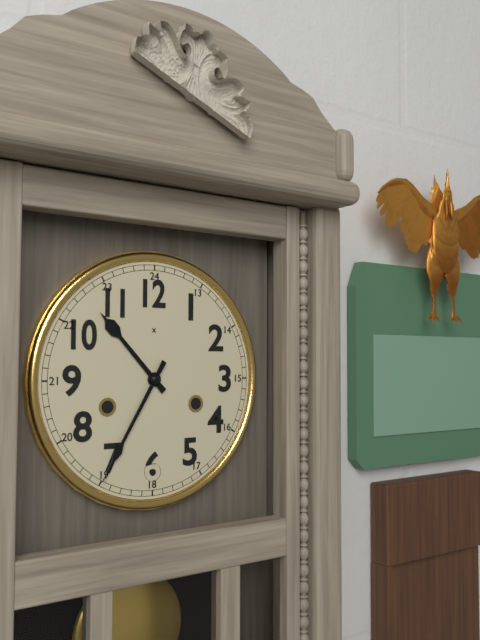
10:35
